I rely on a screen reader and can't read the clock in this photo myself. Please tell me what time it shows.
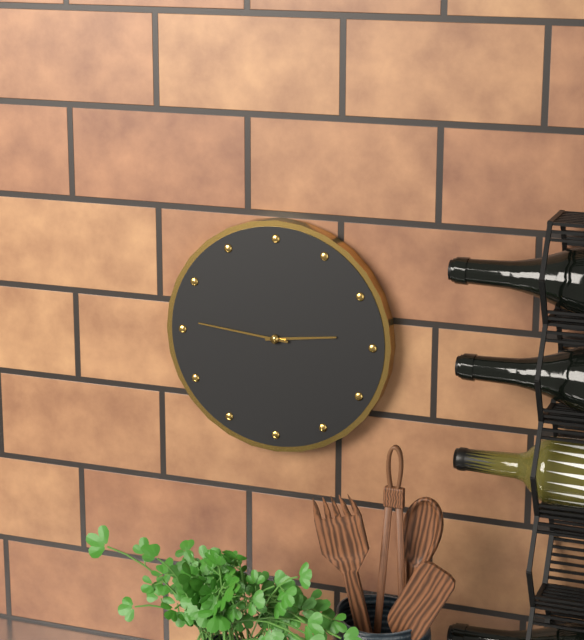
2:46
